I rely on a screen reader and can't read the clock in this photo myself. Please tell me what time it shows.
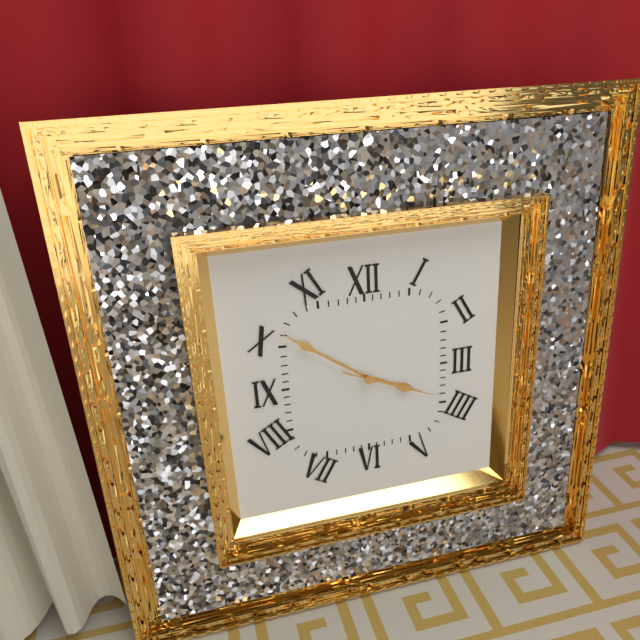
3:51:19
